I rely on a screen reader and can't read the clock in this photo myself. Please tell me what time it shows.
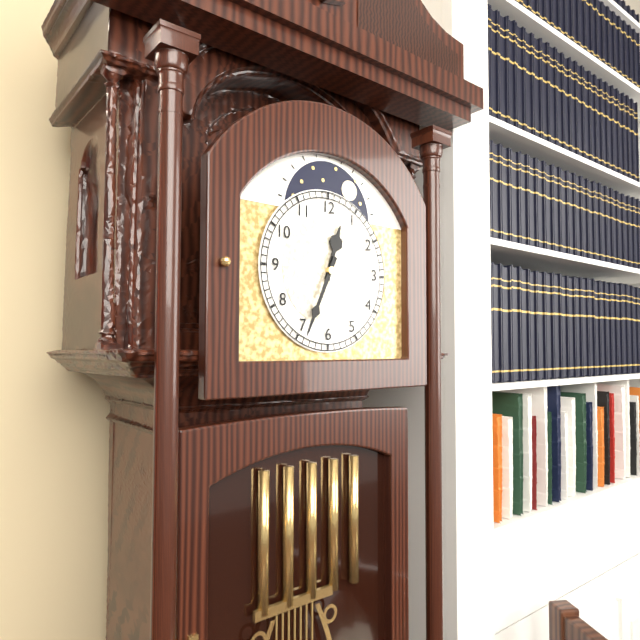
12:34
